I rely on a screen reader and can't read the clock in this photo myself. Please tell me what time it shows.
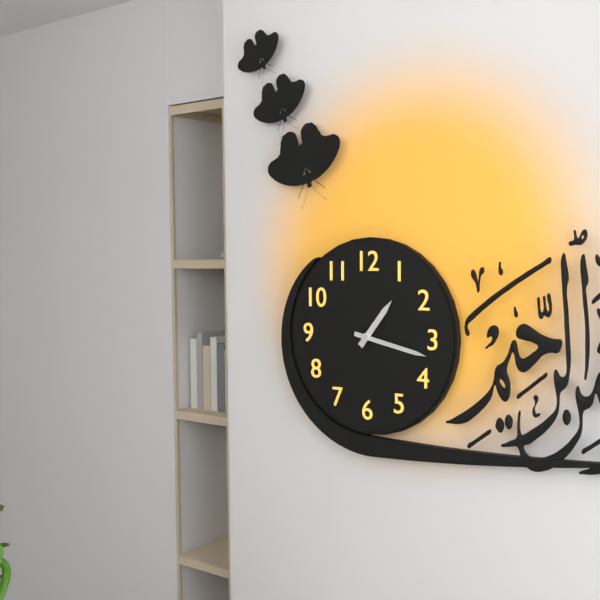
1:17
